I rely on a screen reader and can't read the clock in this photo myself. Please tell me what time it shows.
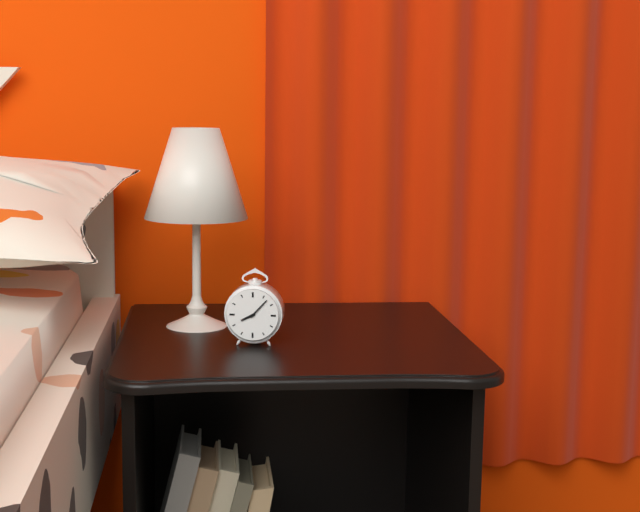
8:07
